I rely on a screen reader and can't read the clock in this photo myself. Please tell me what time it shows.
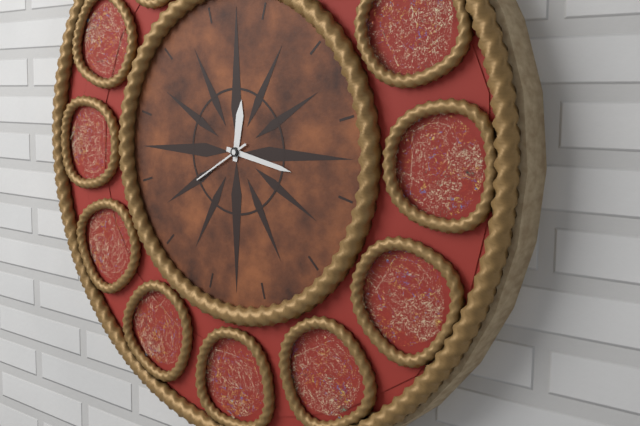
12:17:40
